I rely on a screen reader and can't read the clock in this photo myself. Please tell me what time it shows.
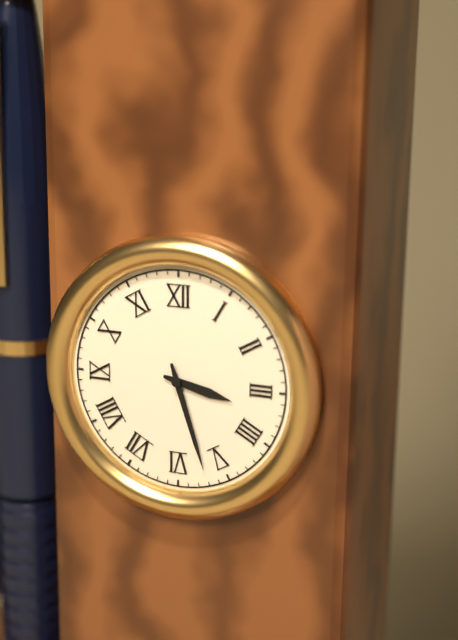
3:27
